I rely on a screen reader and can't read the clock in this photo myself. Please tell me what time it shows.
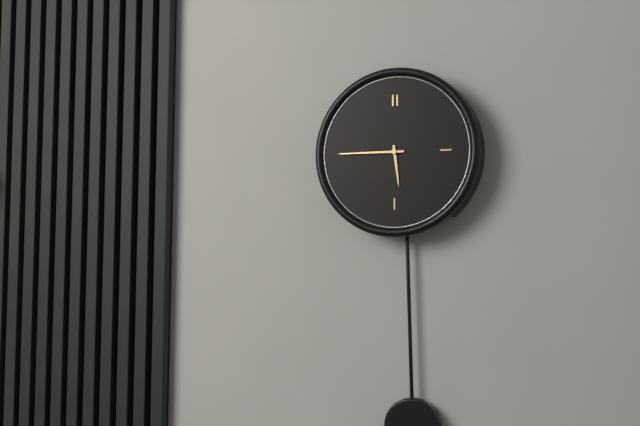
5:45
